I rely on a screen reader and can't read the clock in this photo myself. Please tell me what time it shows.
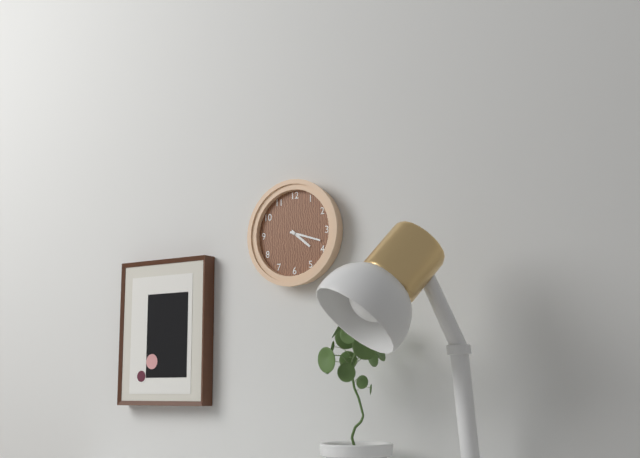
4:18
